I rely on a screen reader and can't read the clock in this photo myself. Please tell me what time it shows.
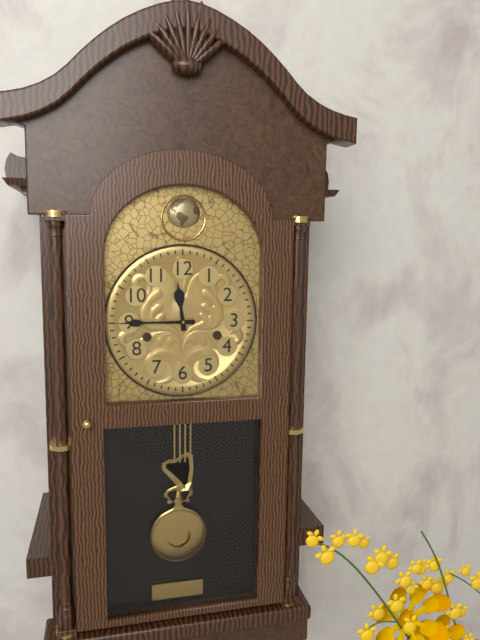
11:45
